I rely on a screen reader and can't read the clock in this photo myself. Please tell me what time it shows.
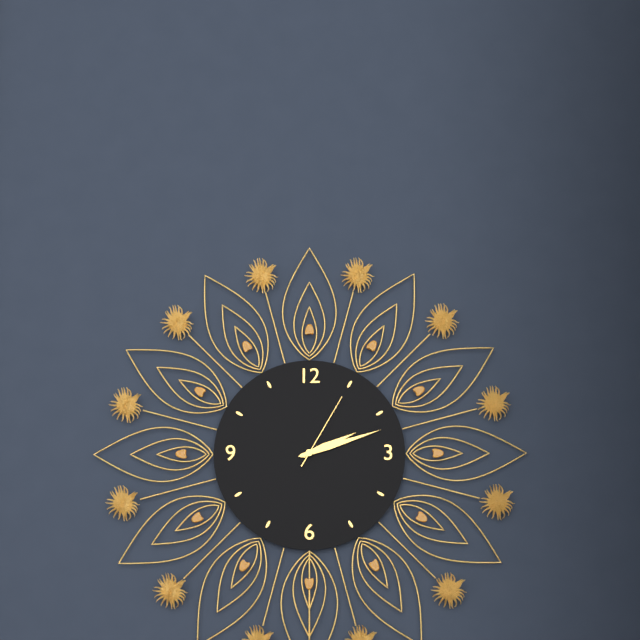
2:12:05
